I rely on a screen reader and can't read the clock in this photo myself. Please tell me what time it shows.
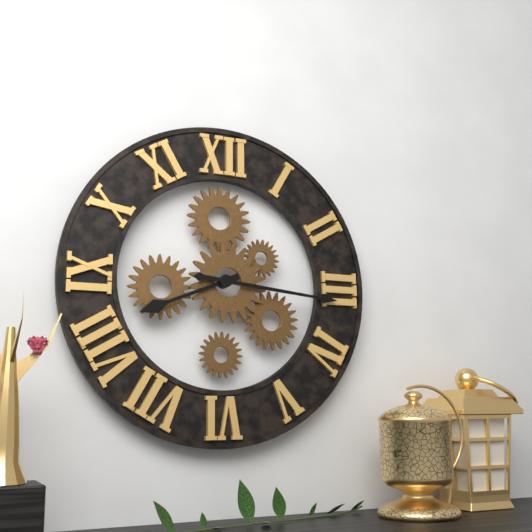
8:16
